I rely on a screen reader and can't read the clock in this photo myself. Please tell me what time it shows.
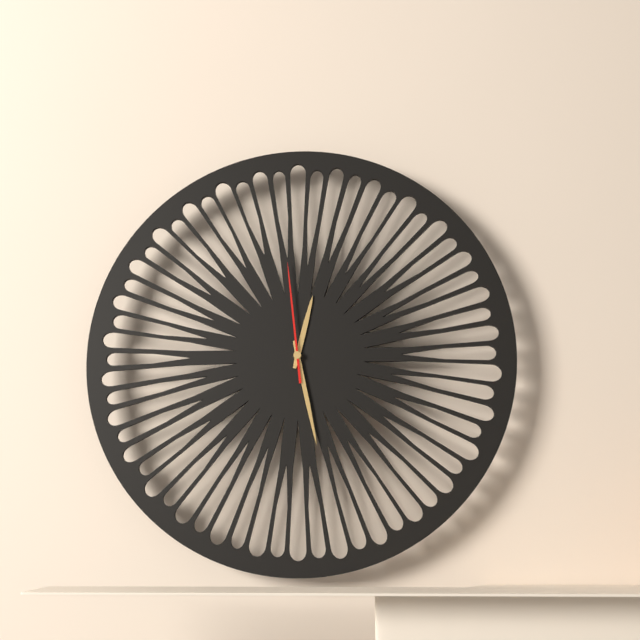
12:28:59
